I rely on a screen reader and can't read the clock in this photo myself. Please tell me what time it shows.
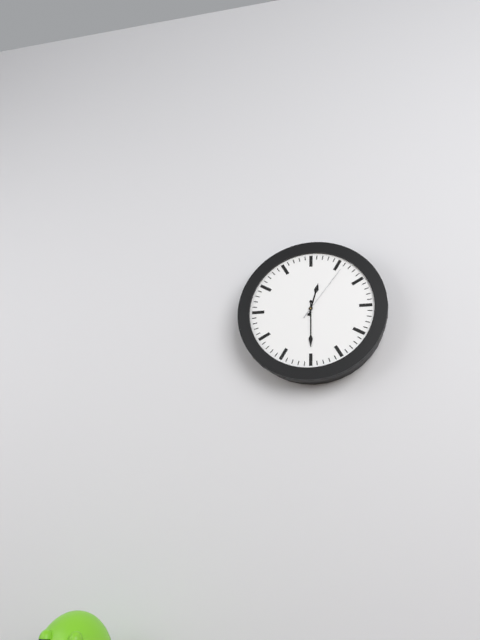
12:30:06
